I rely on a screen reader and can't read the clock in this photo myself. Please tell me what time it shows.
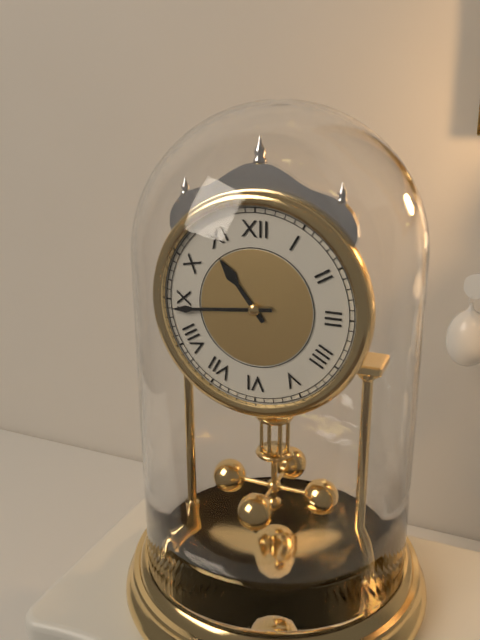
10:44
